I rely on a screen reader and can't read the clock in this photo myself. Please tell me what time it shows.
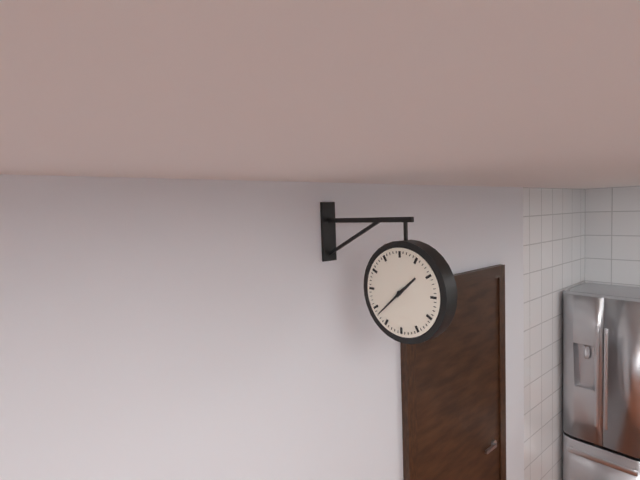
1:38
